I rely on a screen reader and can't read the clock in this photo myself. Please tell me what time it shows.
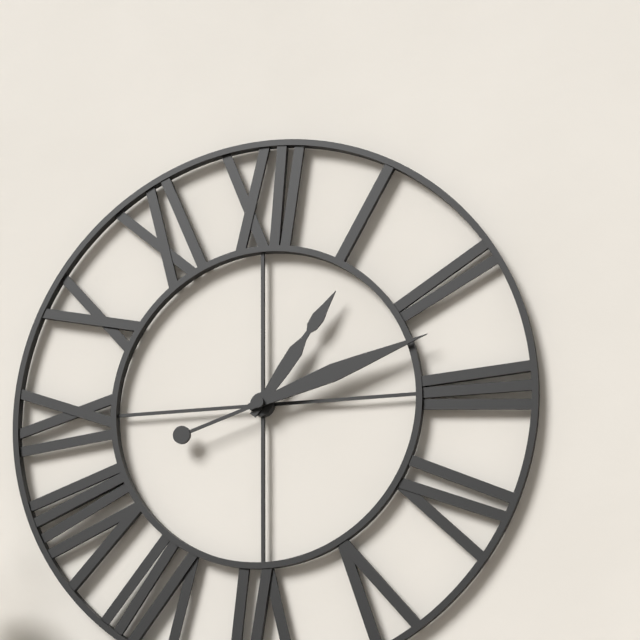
1:12
